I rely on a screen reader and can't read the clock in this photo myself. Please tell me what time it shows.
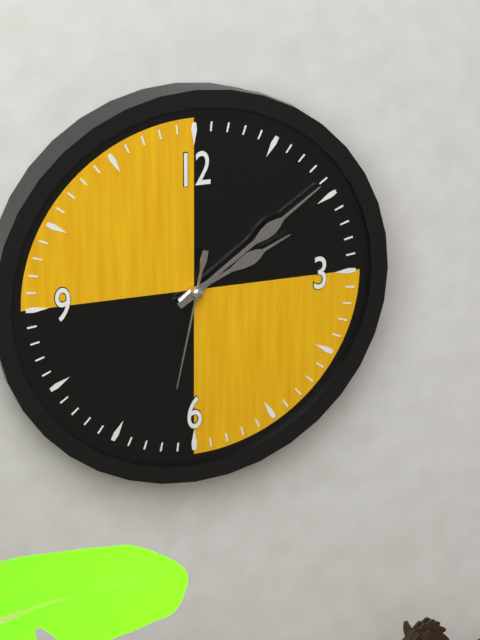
2:09:32
